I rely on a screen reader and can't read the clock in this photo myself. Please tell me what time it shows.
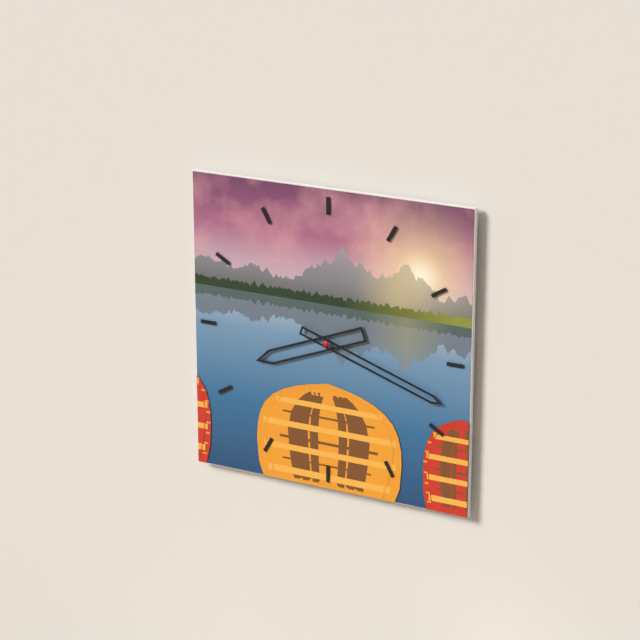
8:18
